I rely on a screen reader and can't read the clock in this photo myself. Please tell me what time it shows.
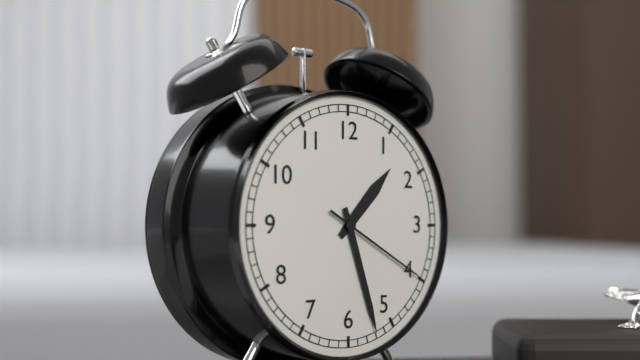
1:27:20
